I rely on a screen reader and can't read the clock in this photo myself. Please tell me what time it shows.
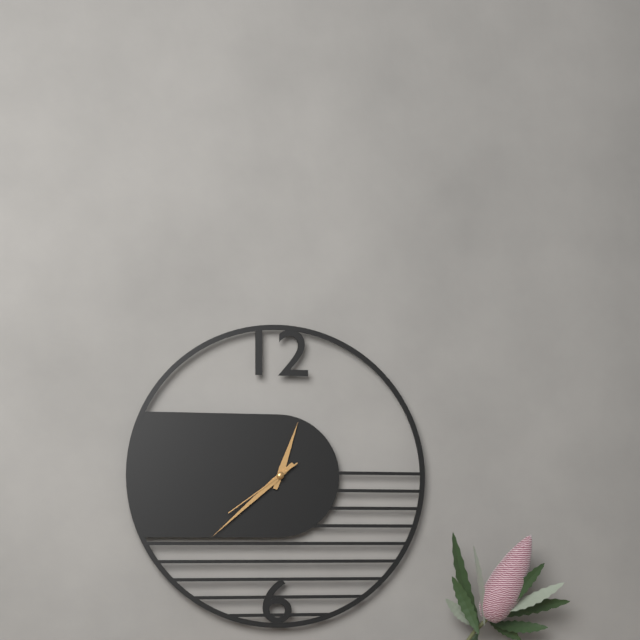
12:38:39
